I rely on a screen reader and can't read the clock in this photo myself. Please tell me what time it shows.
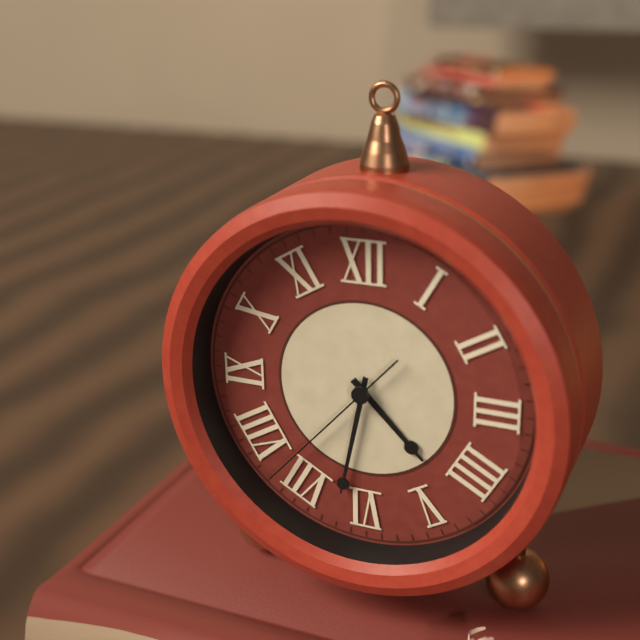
4:32:37
